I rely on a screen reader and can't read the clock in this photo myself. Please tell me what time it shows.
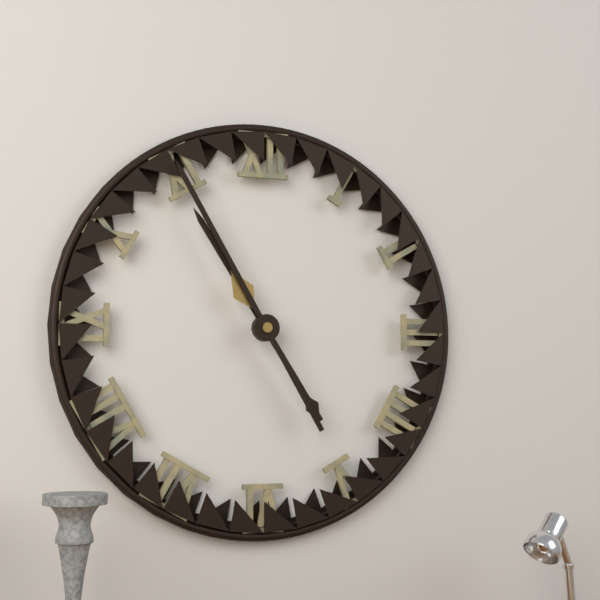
10:55
